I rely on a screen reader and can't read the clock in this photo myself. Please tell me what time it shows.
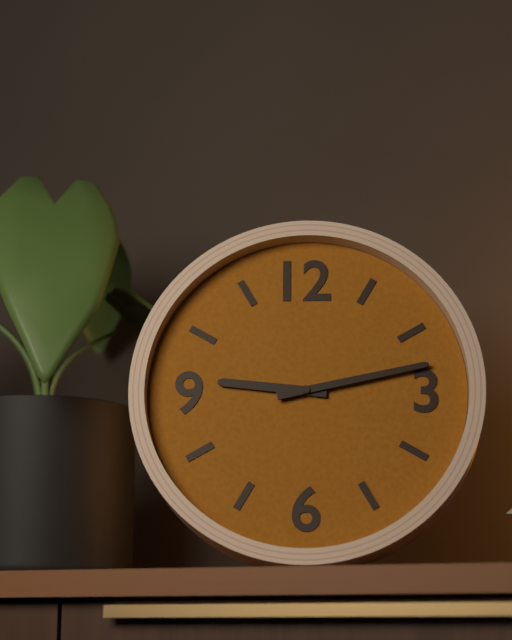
9:13
